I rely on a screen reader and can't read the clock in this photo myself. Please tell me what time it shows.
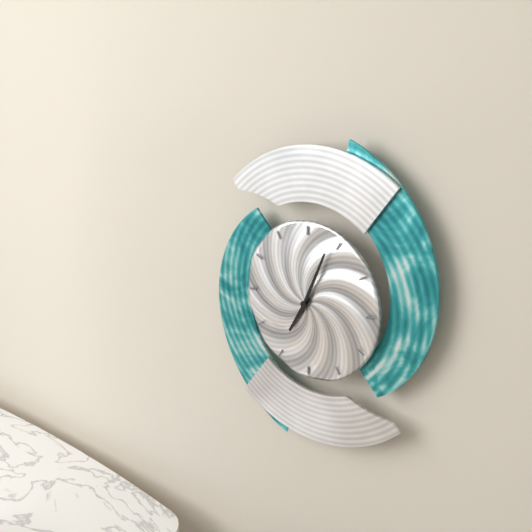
7:04
